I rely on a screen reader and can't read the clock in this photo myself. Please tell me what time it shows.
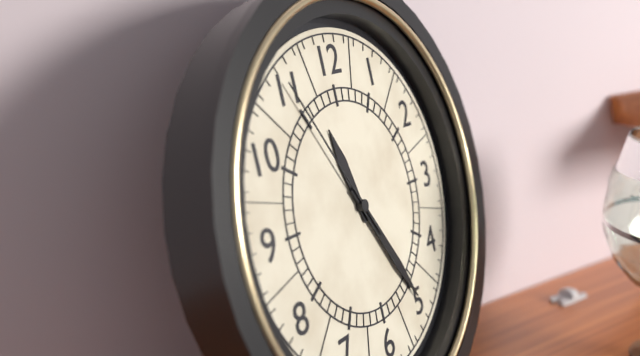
11:25:55
